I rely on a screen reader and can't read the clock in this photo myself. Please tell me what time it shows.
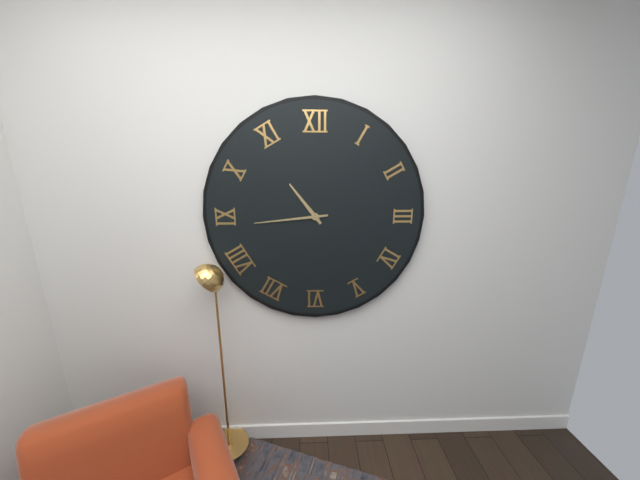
10:44
